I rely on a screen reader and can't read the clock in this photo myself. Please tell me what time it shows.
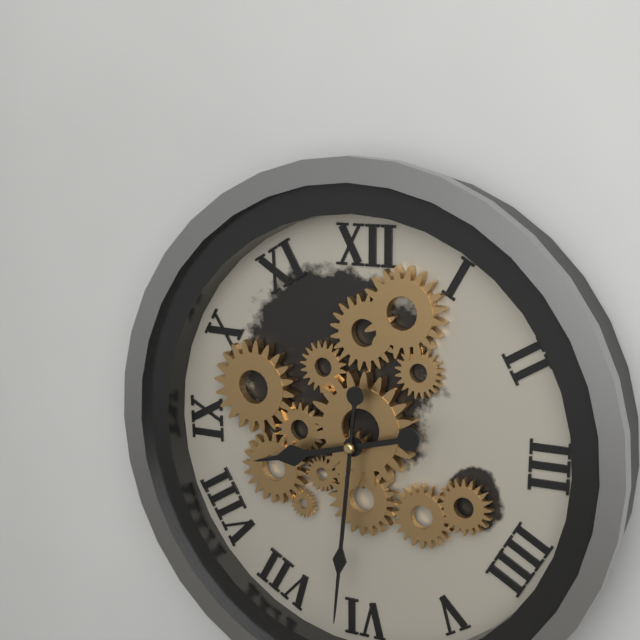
8:31
